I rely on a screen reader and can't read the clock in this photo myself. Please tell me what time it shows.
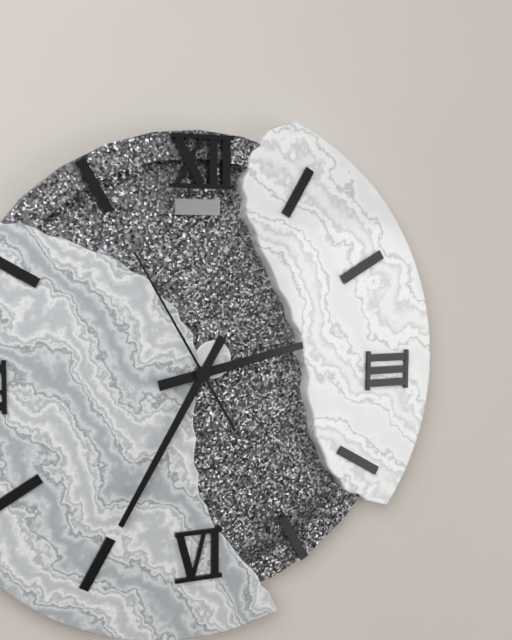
2:35:55
